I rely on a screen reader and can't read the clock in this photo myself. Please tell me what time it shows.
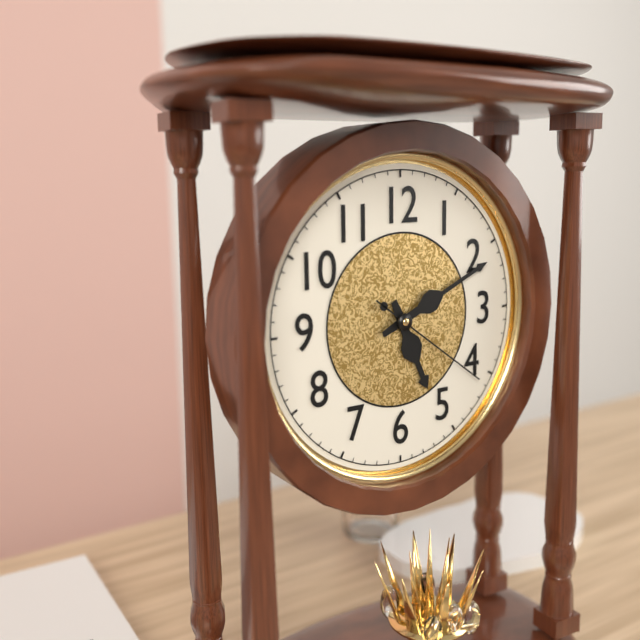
5:11:21
